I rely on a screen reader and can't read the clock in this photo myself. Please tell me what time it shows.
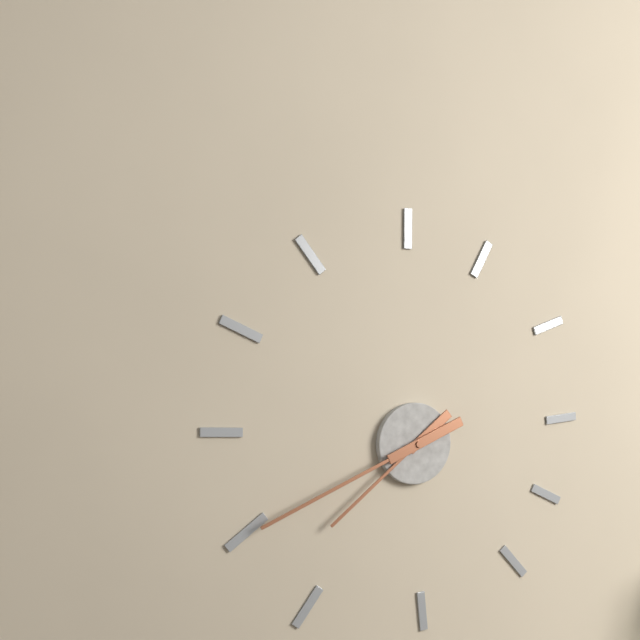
7:41
